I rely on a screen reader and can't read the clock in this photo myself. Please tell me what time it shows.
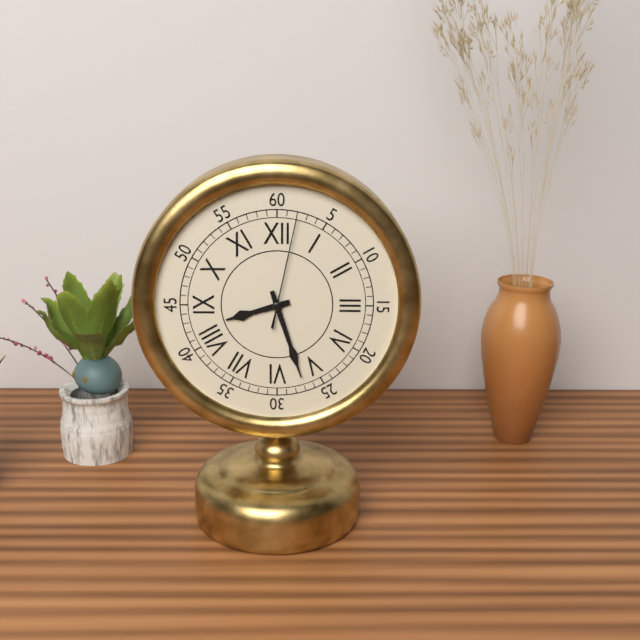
8:27:02
